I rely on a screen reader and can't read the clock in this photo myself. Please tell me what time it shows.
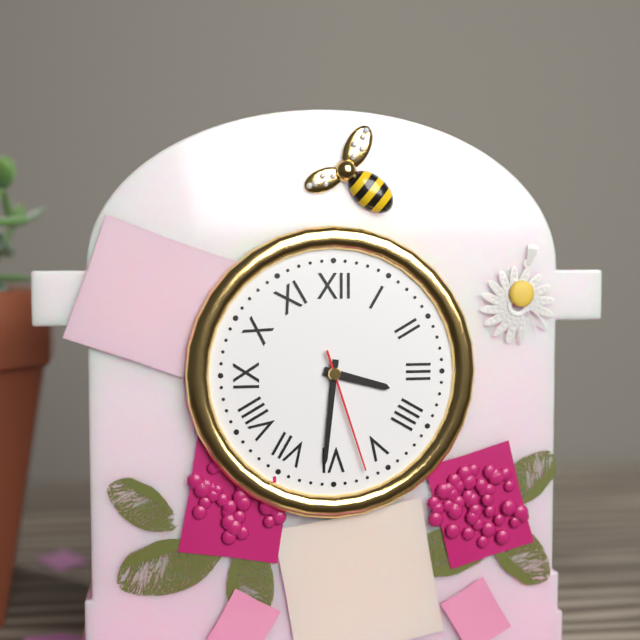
3:31:27
